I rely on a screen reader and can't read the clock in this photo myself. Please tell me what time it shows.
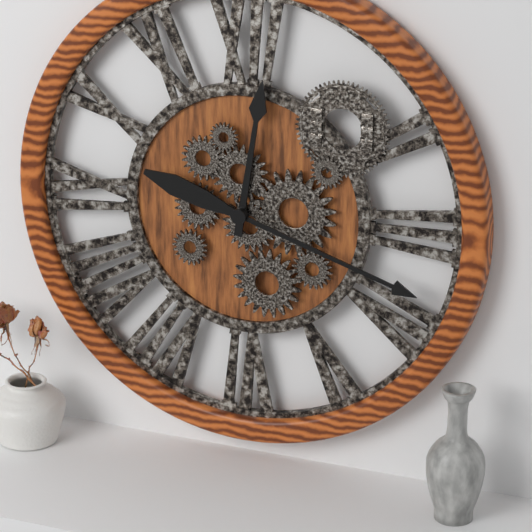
12:18
